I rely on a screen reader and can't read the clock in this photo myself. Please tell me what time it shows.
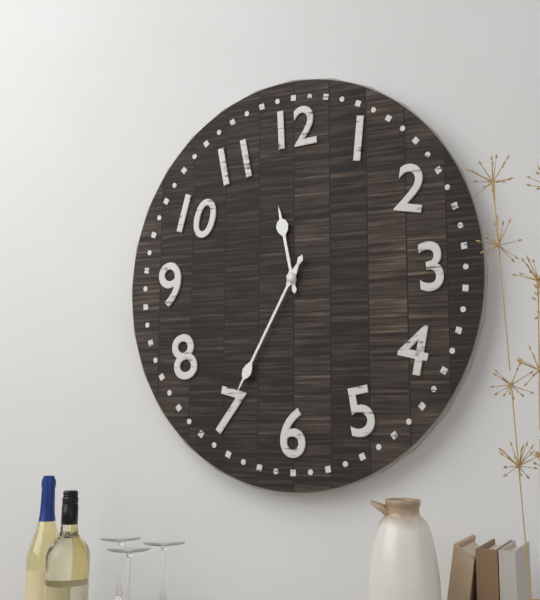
11:35
